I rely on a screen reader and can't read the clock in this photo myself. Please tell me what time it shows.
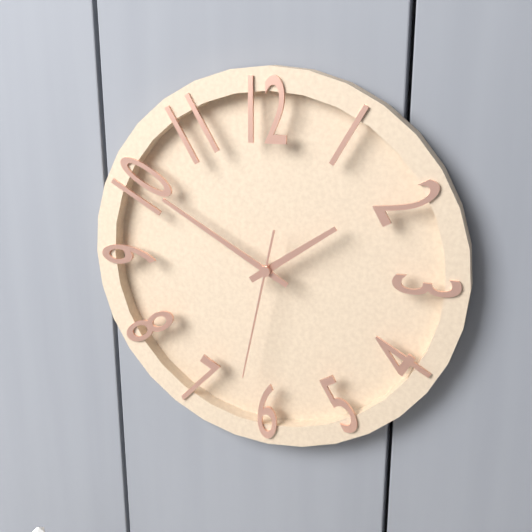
1:50:32
